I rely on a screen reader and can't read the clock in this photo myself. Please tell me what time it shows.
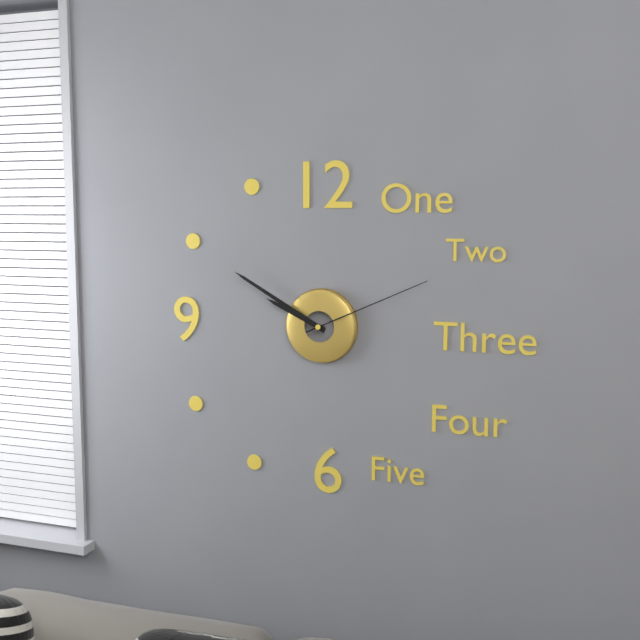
9:50:11
